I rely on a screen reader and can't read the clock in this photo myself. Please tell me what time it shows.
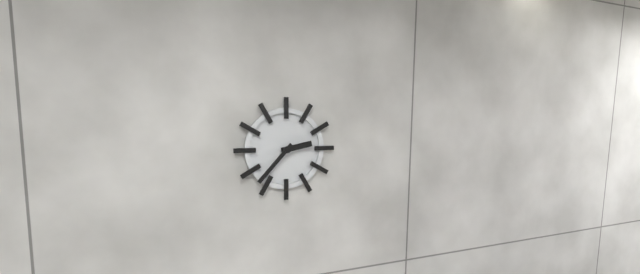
2:37
